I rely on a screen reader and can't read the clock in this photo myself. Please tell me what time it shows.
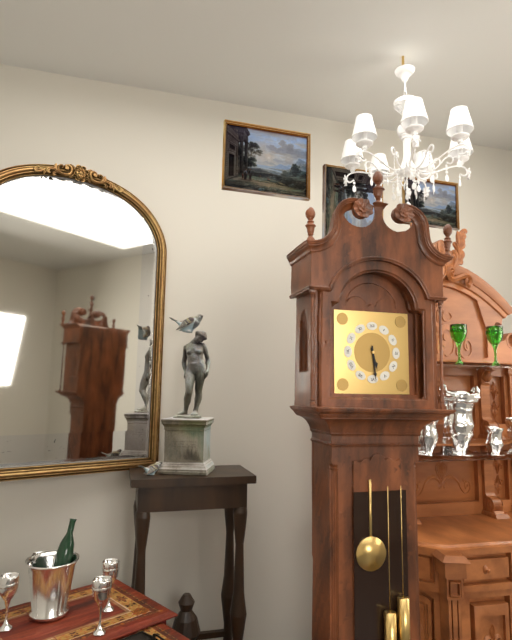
5:29
